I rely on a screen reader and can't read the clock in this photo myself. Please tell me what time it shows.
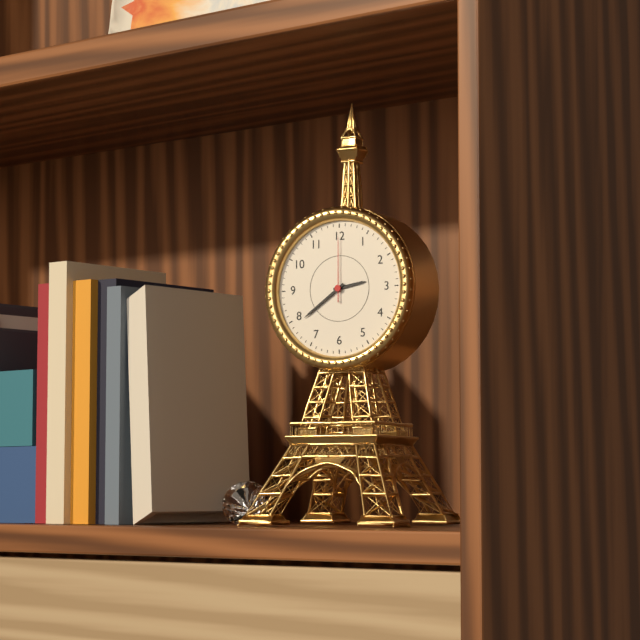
2:39:00
